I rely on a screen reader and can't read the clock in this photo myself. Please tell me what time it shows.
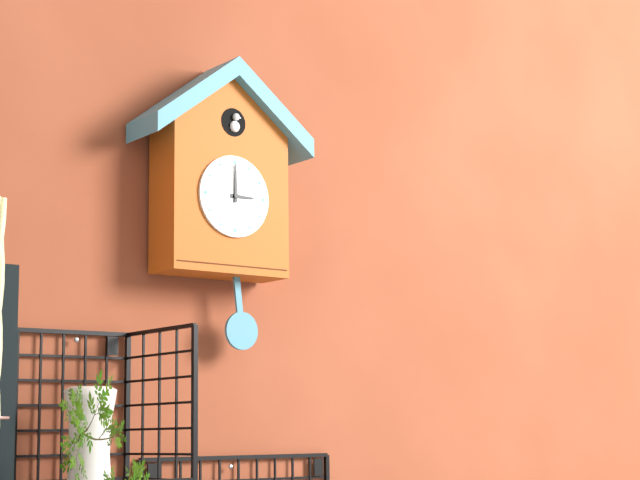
3:00
